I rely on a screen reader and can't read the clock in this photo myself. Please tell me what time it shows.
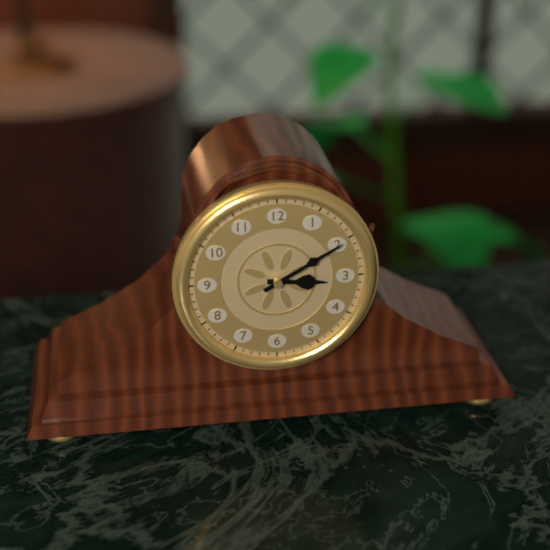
3:10
